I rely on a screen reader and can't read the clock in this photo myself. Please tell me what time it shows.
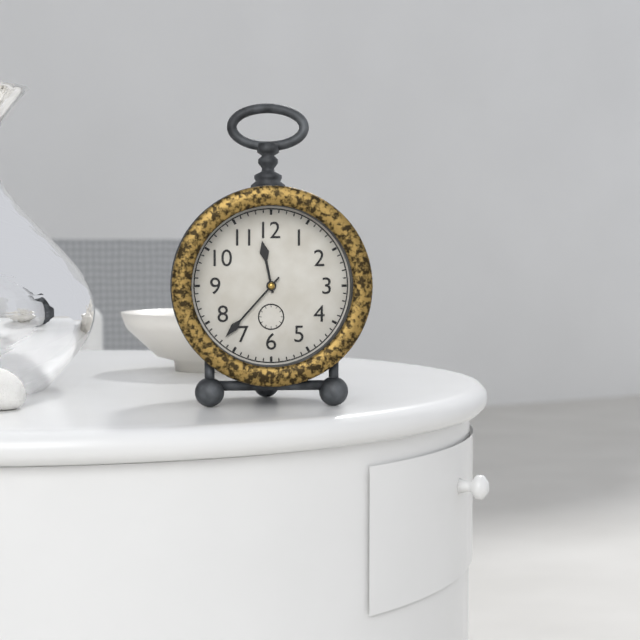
11:37
